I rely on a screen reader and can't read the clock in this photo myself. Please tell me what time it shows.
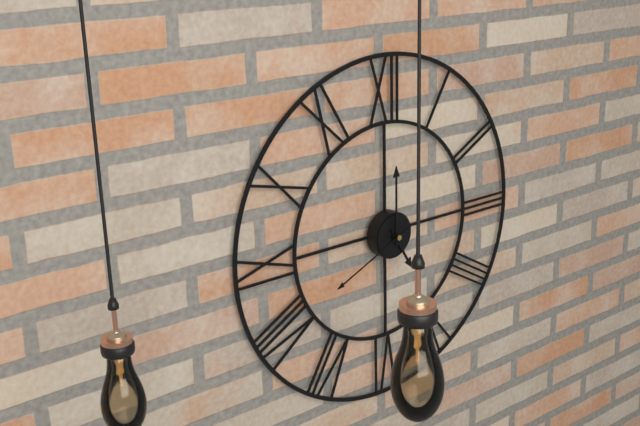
5:00:41
